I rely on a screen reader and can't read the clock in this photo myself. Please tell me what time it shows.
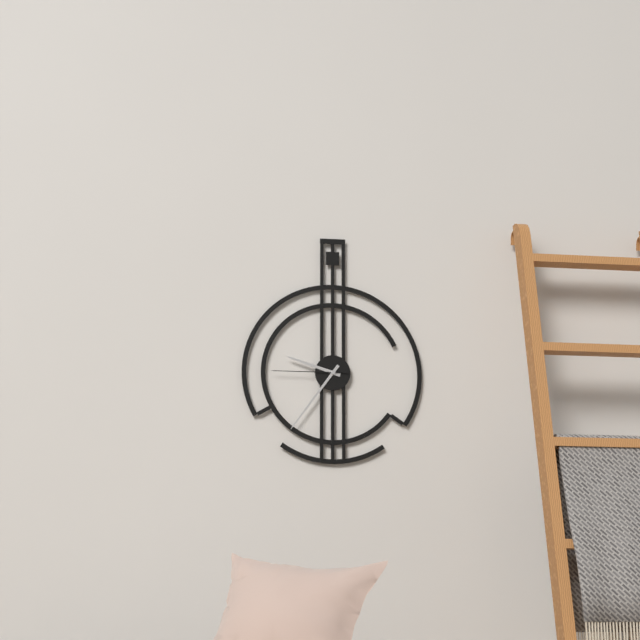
9:36:45
